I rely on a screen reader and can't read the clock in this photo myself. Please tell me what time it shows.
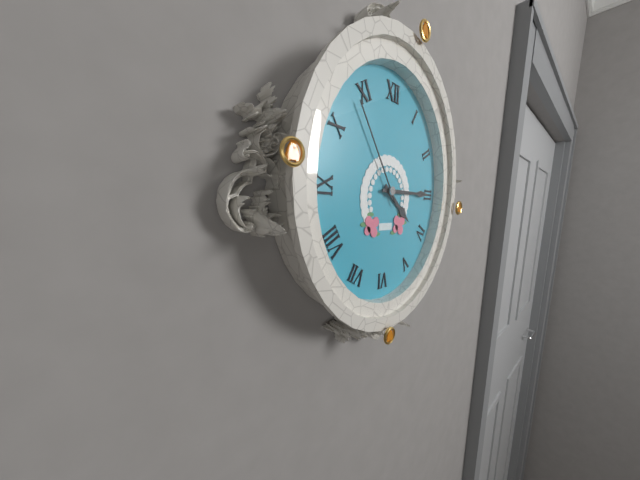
4:15:54
